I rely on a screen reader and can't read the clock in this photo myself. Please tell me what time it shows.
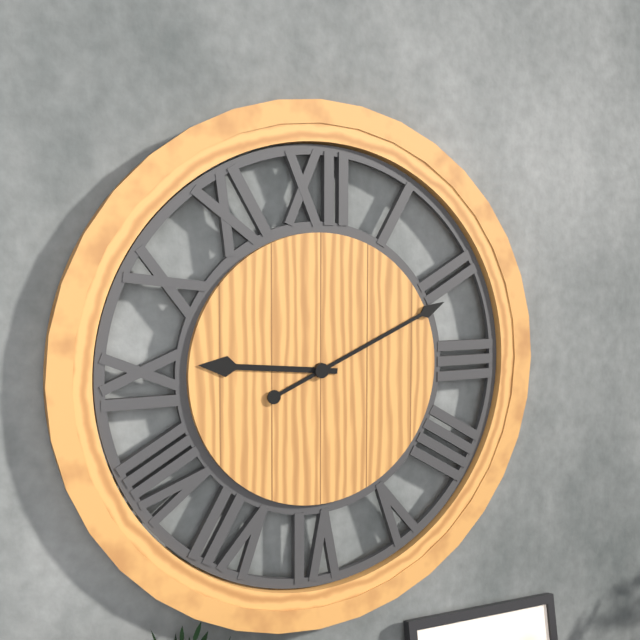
9:11
